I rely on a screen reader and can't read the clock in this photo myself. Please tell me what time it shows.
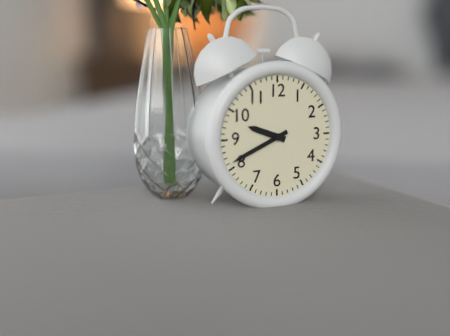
9:41
